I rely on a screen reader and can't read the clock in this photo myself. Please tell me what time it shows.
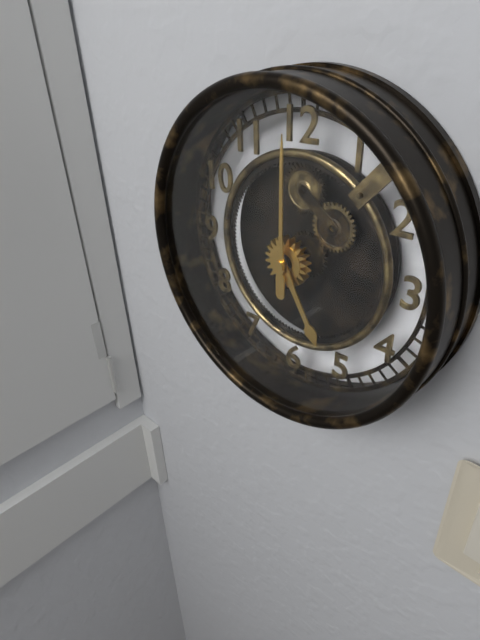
5:00
